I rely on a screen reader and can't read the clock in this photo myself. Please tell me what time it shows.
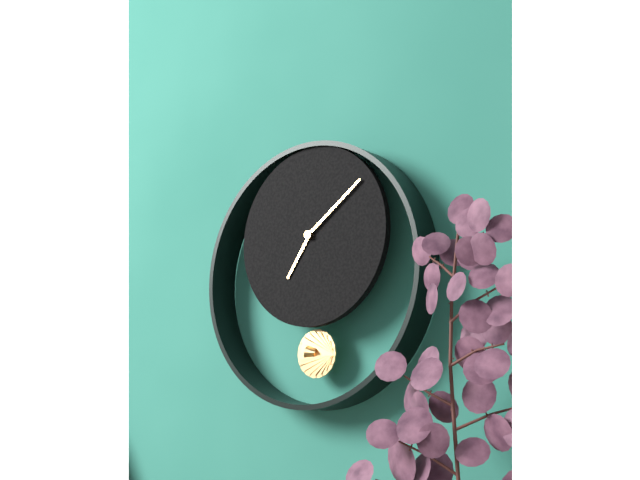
7:09
